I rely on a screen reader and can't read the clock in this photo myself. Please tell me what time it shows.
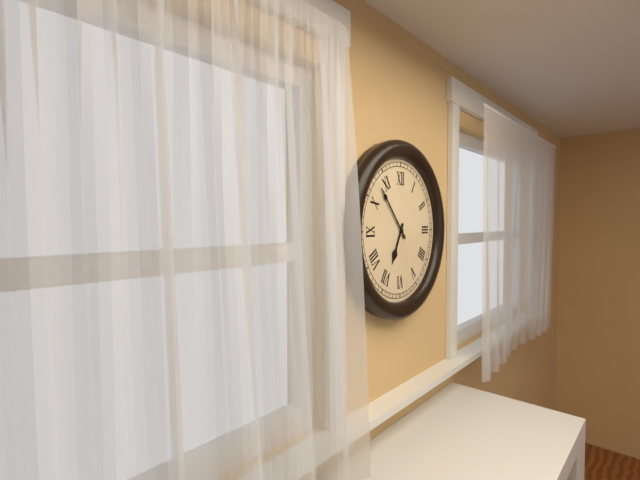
6:53
